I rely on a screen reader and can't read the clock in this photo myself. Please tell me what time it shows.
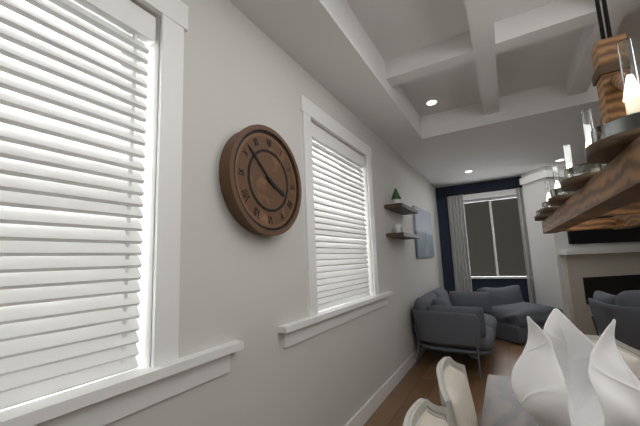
3:52
